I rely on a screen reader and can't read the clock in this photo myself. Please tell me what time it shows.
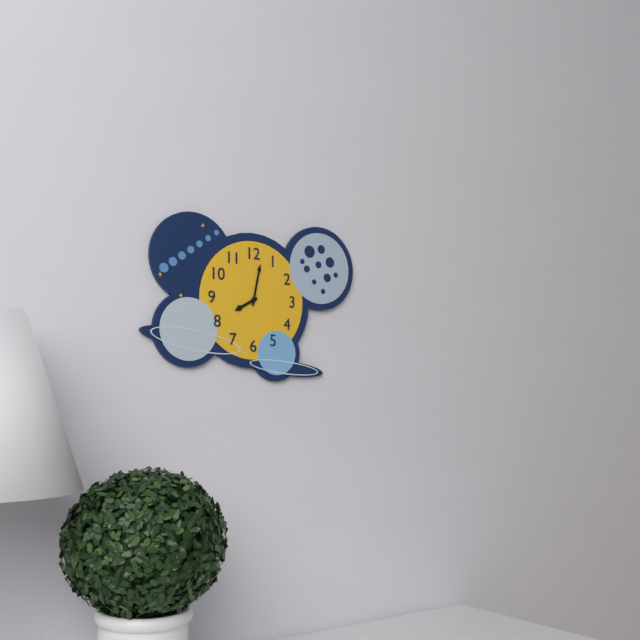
8:02
